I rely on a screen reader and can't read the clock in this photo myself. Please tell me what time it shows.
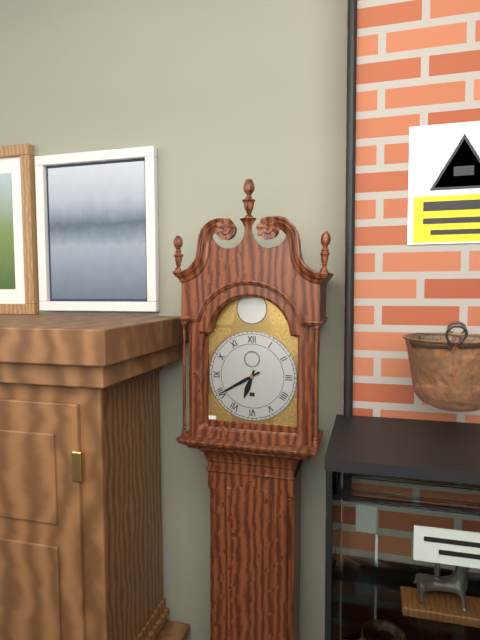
6:40
